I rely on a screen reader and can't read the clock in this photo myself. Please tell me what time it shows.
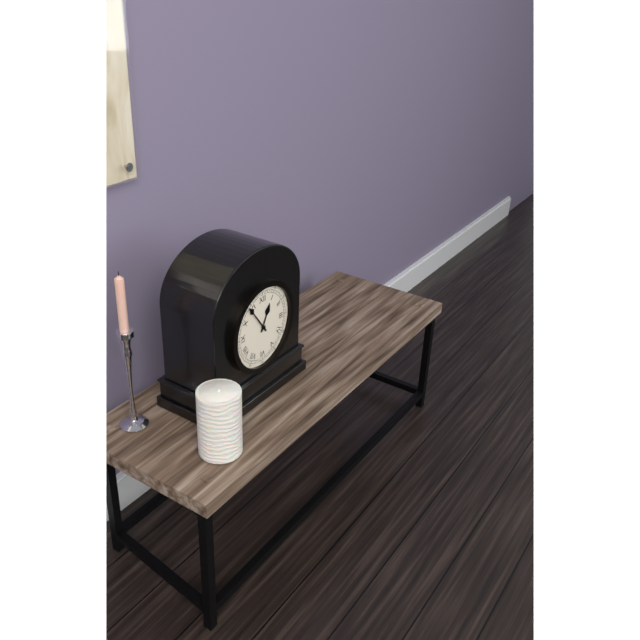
12:54
